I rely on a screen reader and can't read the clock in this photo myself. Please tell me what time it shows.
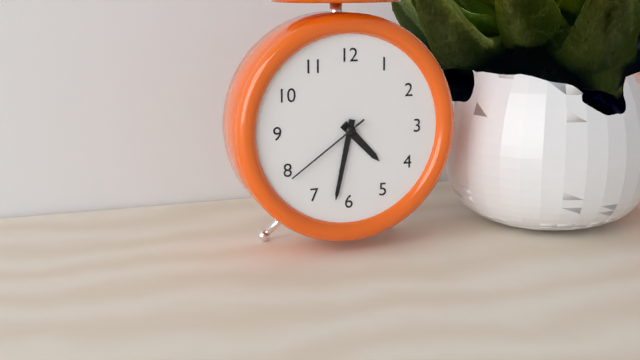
4:32:39
